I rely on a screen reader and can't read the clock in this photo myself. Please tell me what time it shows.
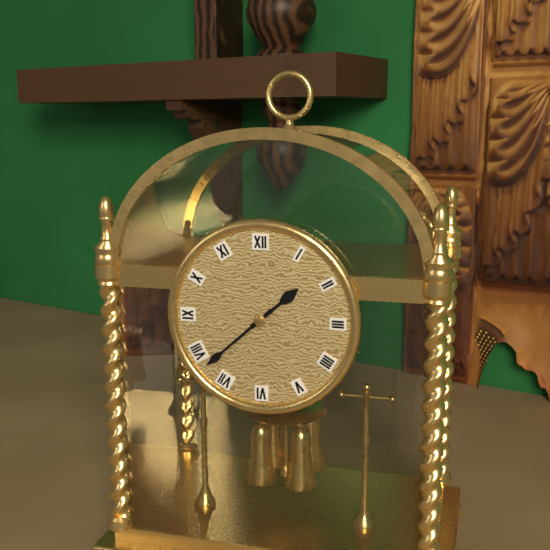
1:38
